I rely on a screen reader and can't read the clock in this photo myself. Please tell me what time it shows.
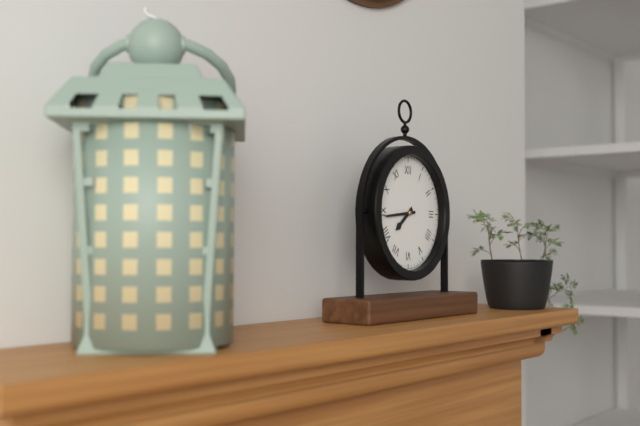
7:44
